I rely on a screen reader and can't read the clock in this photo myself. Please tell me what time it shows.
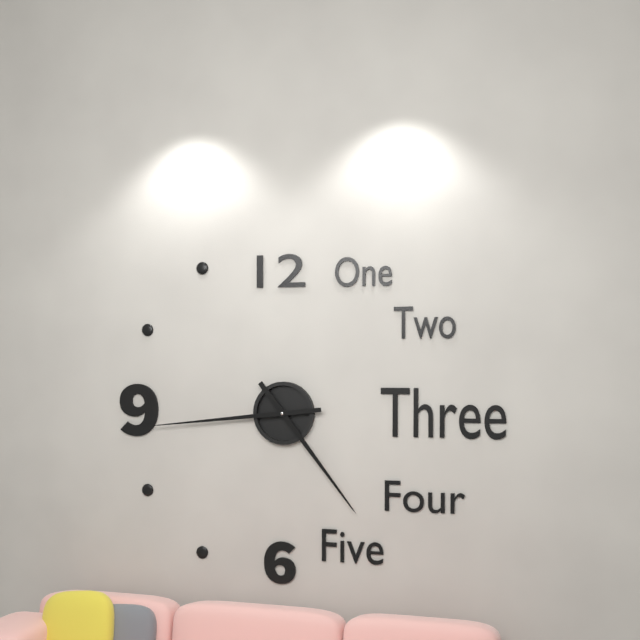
4:44
